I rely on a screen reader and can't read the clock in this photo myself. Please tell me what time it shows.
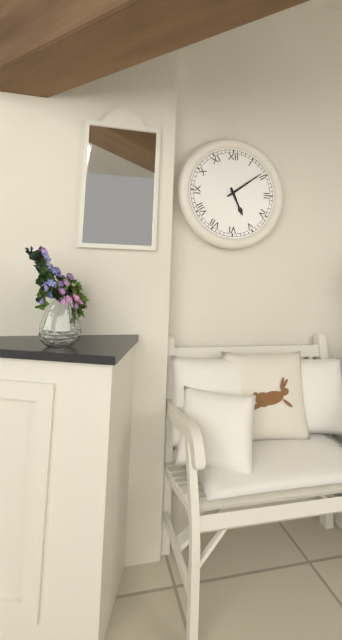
5:09
